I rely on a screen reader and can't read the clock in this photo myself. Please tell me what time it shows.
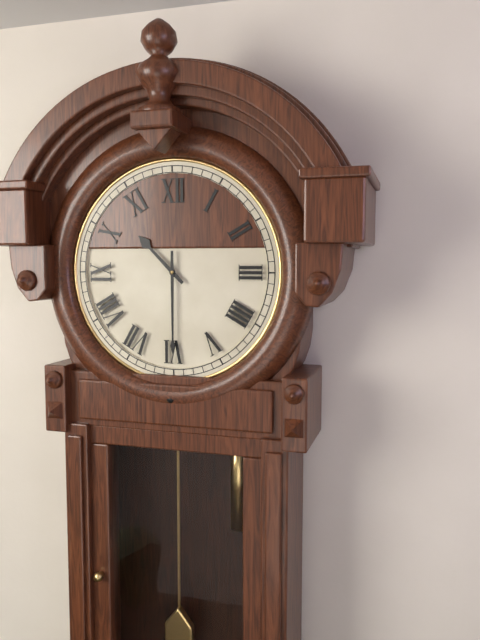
10:30
